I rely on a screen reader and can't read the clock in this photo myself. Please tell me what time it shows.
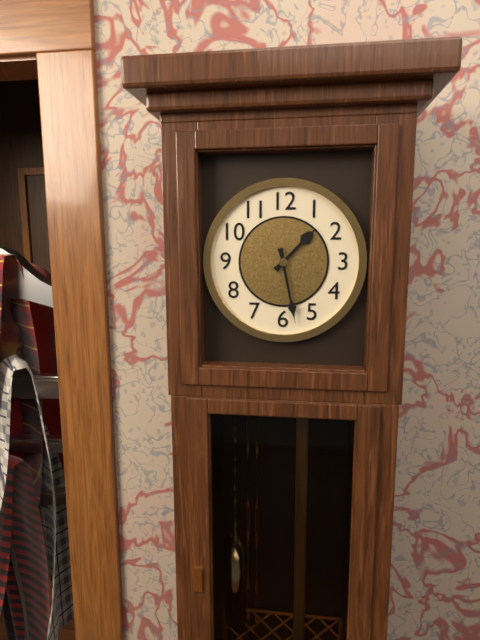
1:28
